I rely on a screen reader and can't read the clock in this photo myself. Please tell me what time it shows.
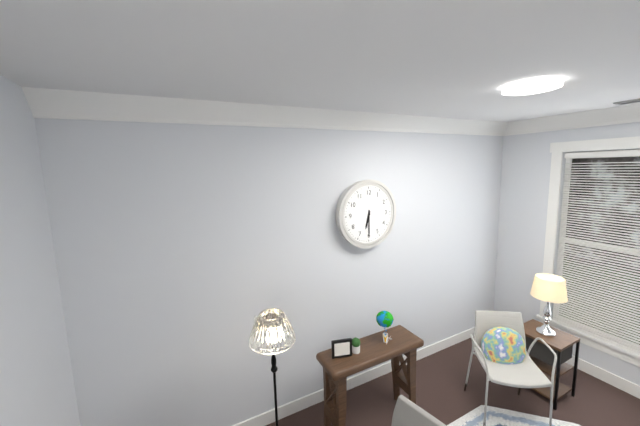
6:30
